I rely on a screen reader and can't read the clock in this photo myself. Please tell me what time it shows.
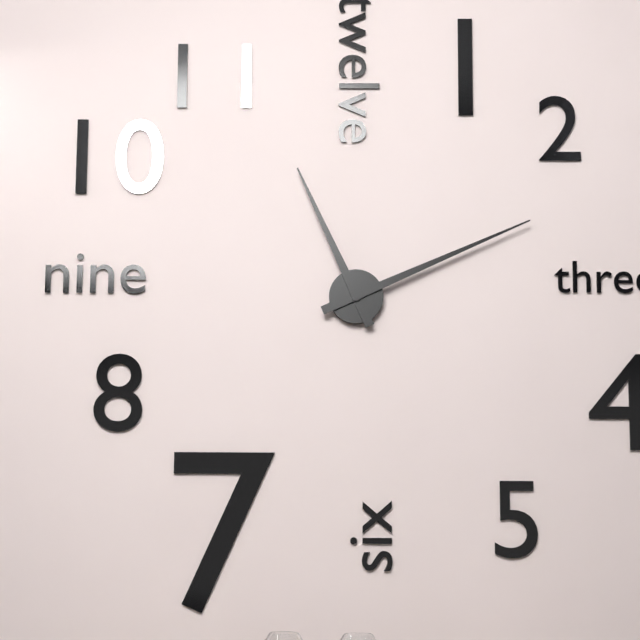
11:11
